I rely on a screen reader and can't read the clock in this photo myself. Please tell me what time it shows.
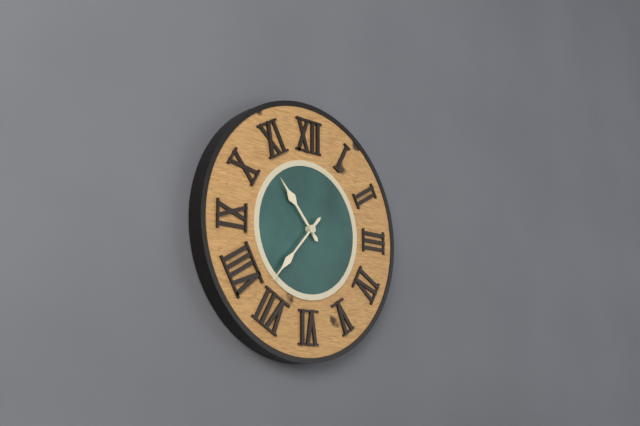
10:37
